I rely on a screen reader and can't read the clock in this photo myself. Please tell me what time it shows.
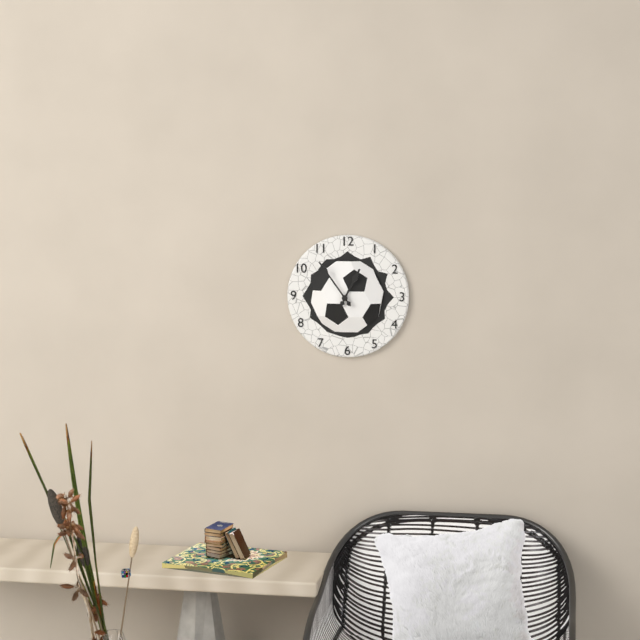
12:54
